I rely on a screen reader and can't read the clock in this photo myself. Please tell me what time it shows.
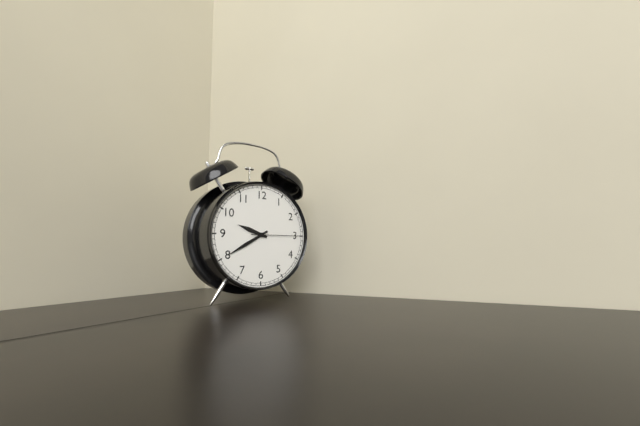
9:40
